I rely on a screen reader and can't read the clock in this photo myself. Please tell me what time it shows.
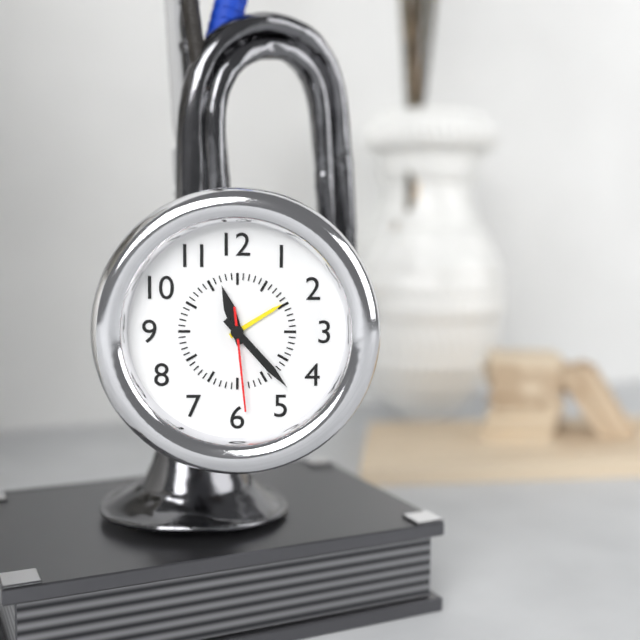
11:23:29
